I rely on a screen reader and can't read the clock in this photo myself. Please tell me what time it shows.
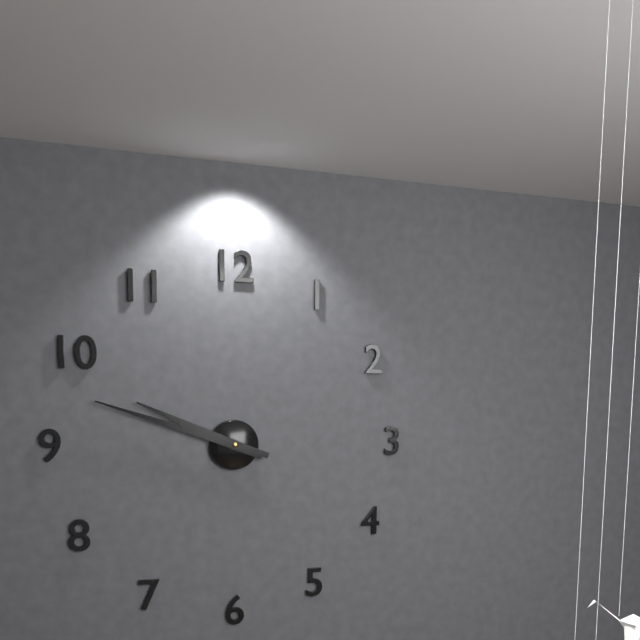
9:48
